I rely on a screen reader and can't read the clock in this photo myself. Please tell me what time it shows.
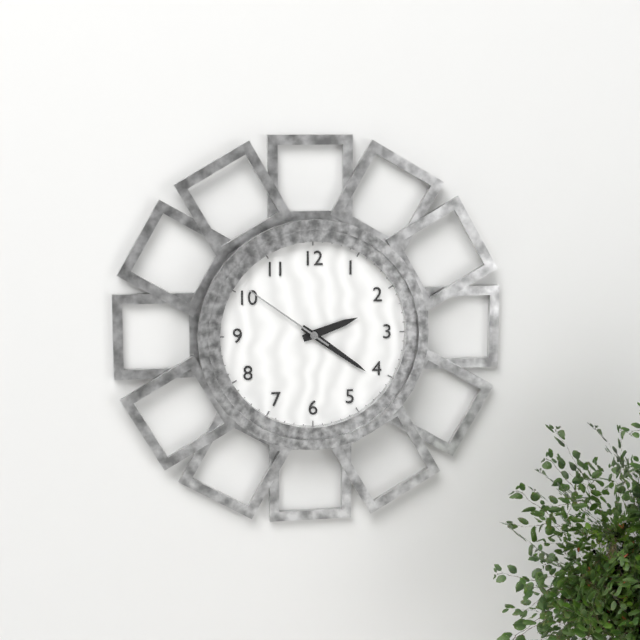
2:21:51
